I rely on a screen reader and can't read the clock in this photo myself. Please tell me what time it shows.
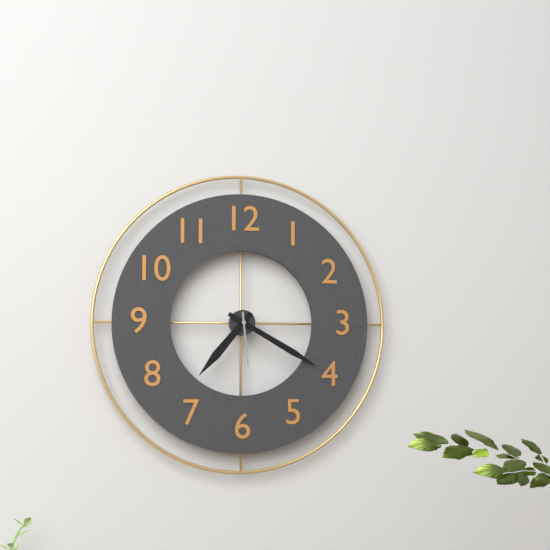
7:20:29
